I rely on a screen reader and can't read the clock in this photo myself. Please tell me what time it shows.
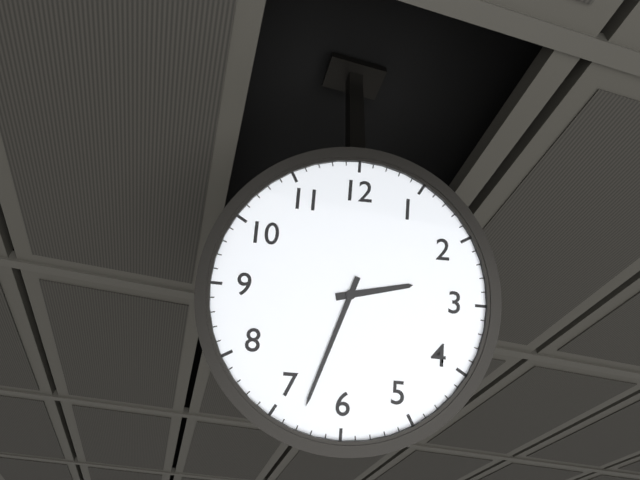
2:33
